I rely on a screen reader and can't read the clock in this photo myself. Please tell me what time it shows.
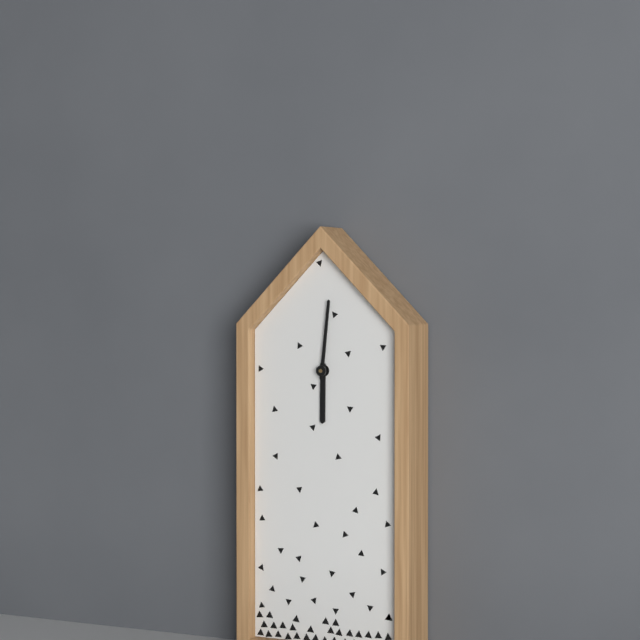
6:01
